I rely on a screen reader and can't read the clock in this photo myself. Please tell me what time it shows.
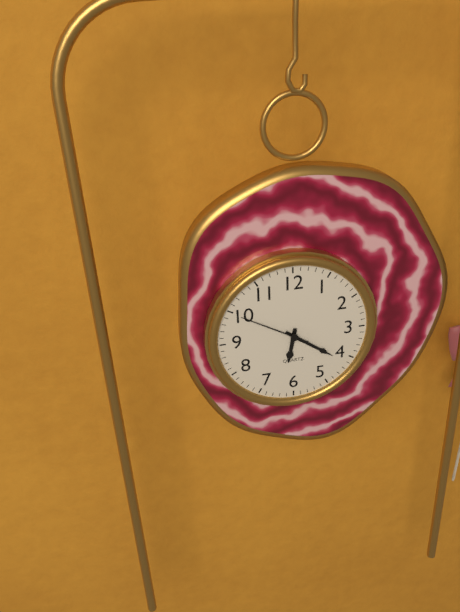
6:21:50
